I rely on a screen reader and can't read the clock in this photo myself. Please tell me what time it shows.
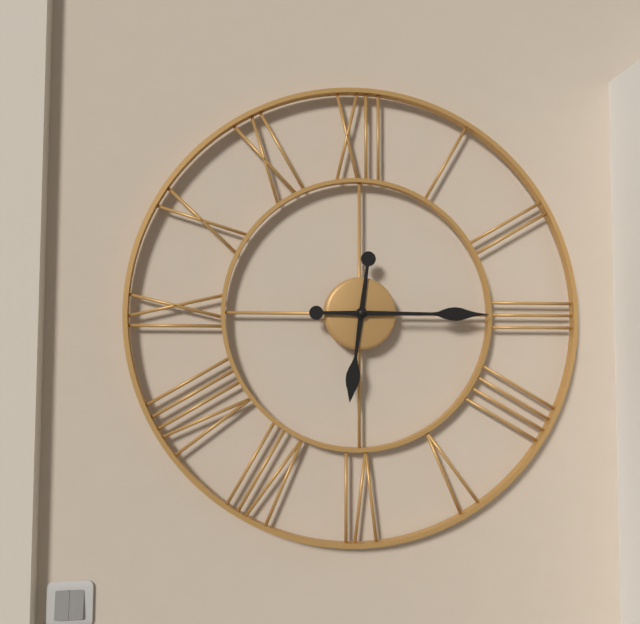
6:15
